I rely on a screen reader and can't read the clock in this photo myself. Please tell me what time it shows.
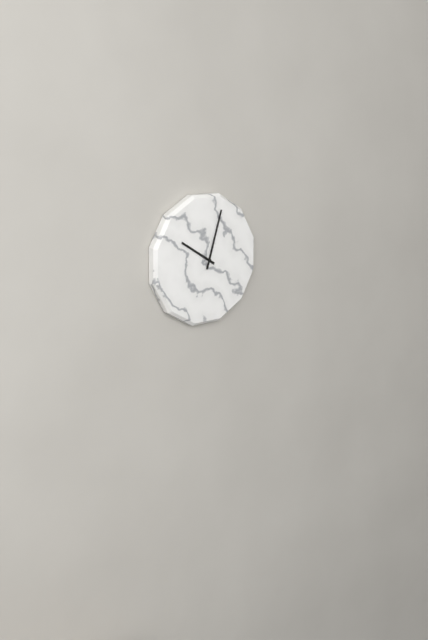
10:03
